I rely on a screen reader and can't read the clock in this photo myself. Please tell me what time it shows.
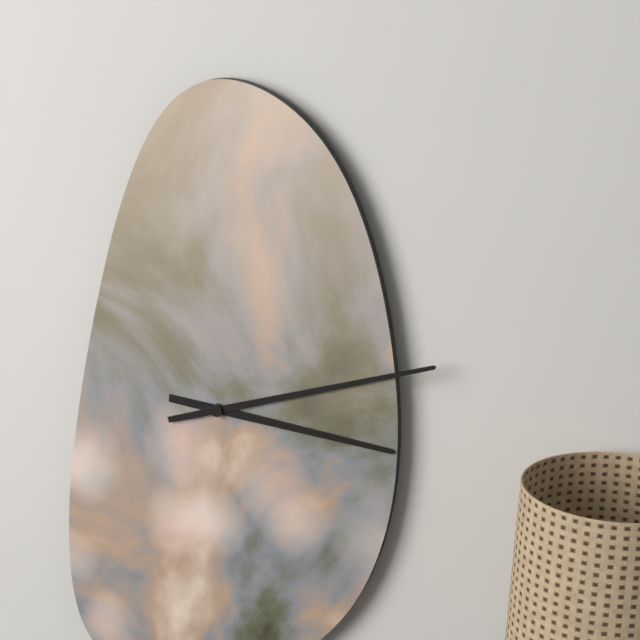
3:12
